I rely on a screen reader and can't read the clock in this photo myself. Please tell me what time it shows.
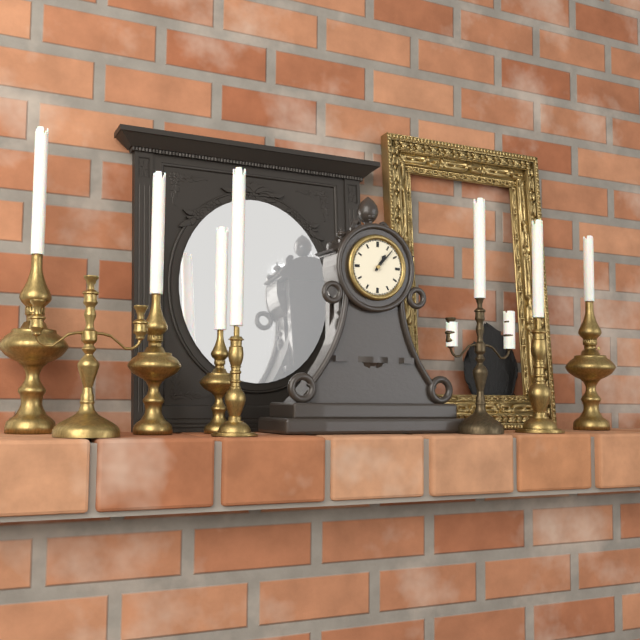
1:07
